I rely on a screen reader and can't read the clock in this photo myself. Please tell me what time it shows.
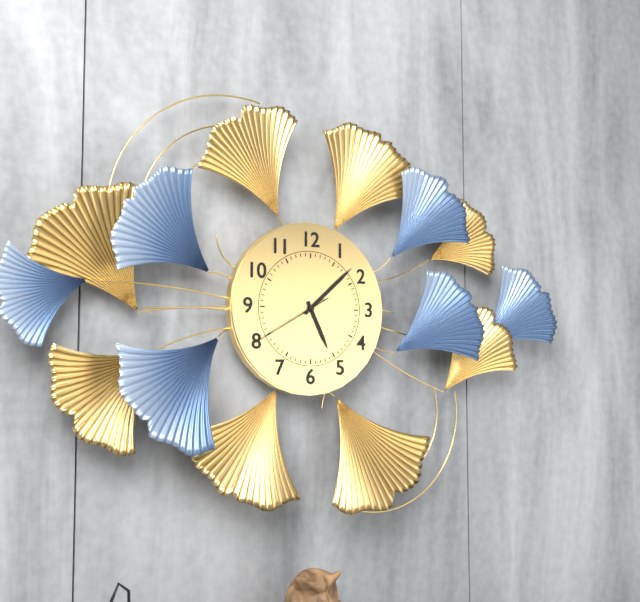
5:08:40
